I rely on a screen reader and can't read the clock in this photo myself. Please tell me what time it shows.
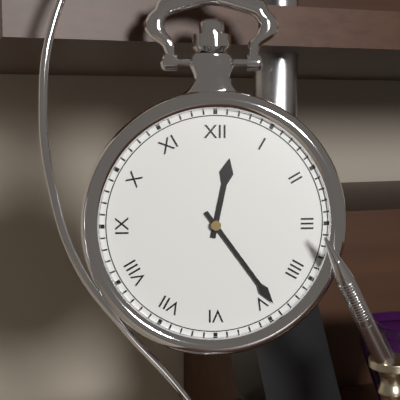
12:24
